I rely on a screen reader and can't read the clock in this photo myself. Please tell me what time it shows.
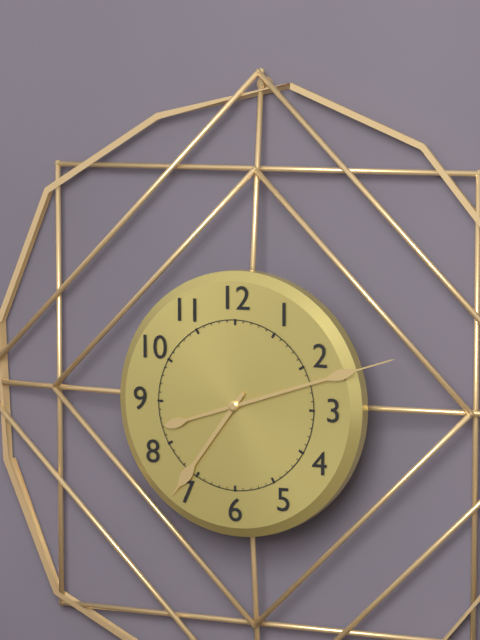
7:12
